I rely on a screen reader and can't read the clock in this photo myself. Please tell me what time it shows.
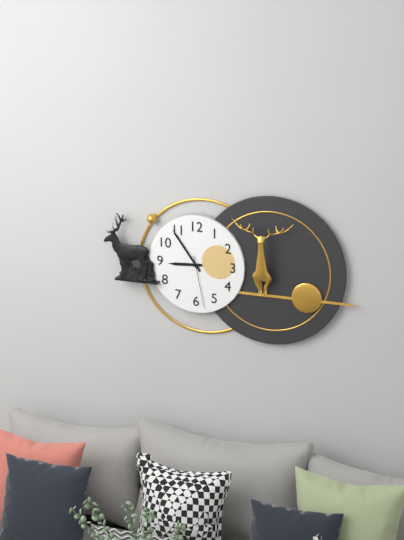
8:54:28
